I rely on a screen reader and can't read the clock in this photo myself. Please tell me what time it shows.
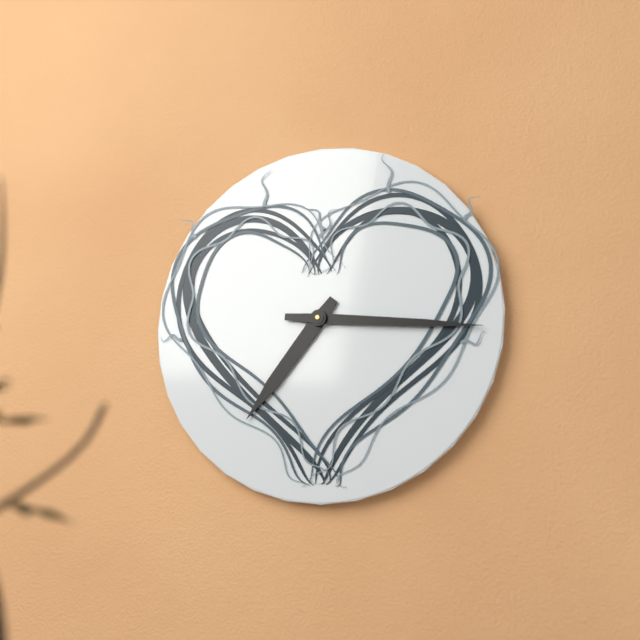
7:16
